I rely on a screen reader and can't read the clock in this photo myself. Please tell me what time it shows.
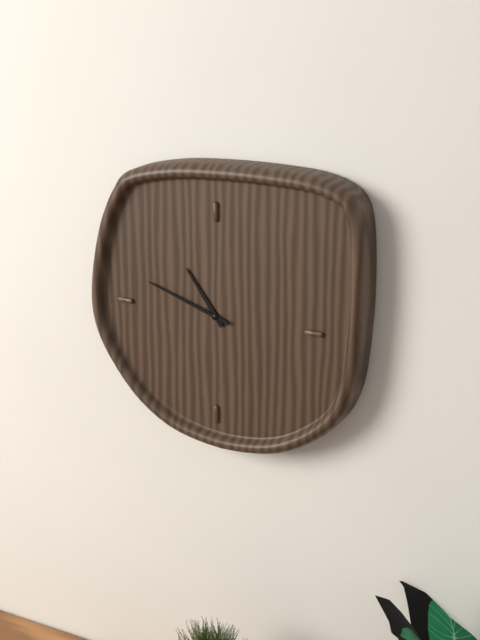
10:48
